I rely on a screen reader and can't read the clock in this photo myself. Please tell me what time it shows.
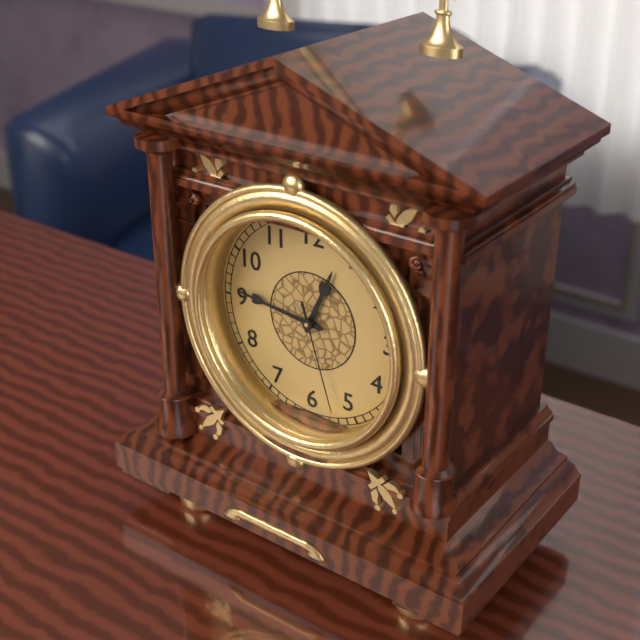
12:46:27
